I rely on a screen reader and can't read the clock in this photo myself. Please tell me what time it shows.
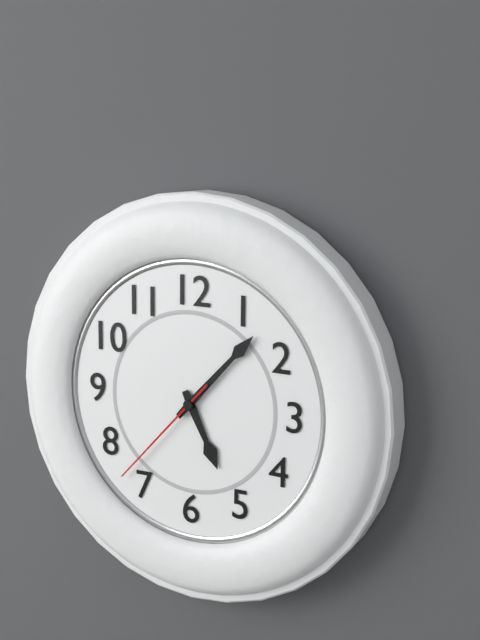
5:07:37
